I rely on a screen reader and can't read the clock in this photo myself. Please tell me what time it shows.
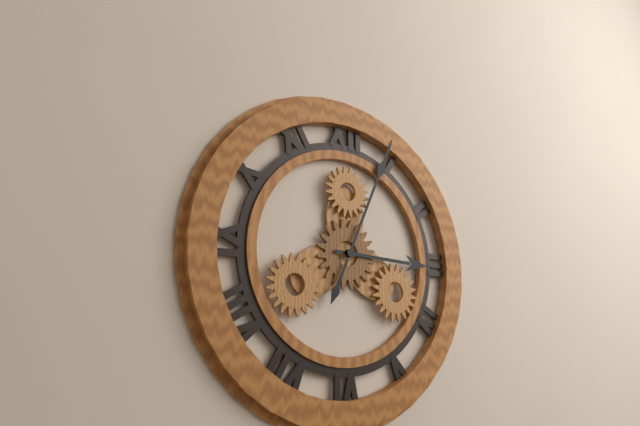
3:04
